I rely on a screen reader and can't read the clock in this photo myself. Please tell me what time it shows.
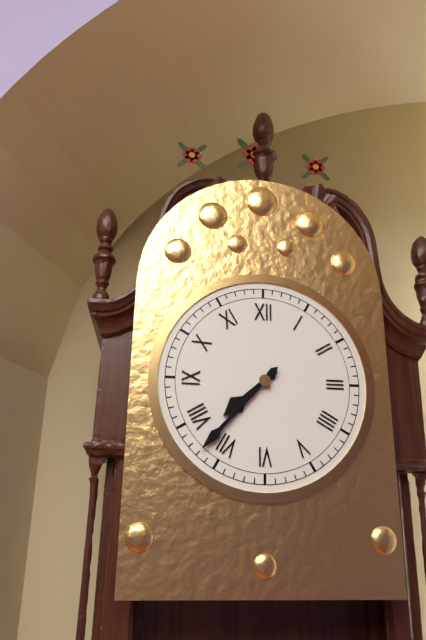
7:37
